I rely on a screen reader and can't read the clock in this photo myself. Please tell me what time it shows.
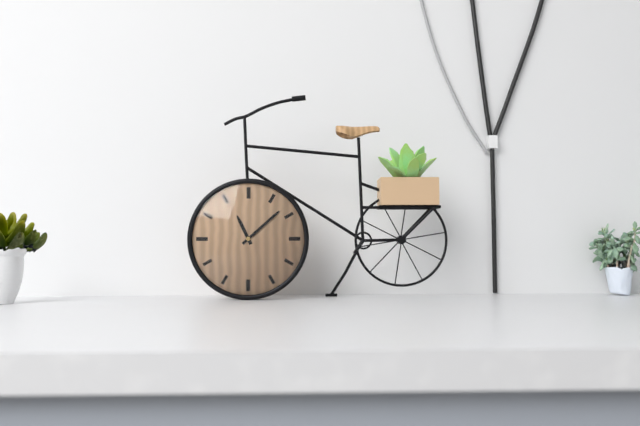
11:08
